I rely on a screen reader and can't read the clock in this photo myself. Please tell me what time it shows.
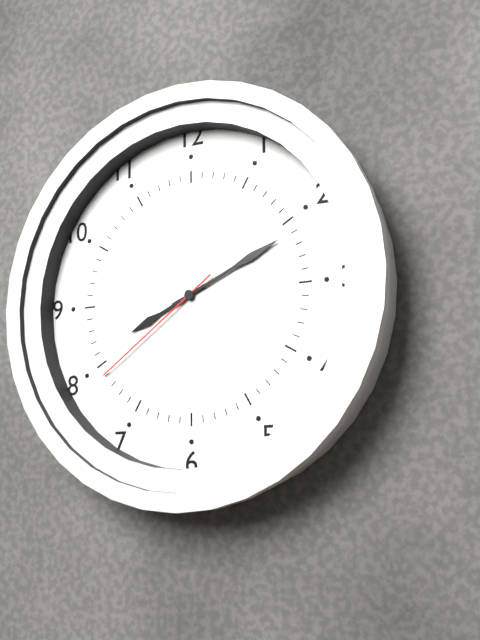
8:11:39
